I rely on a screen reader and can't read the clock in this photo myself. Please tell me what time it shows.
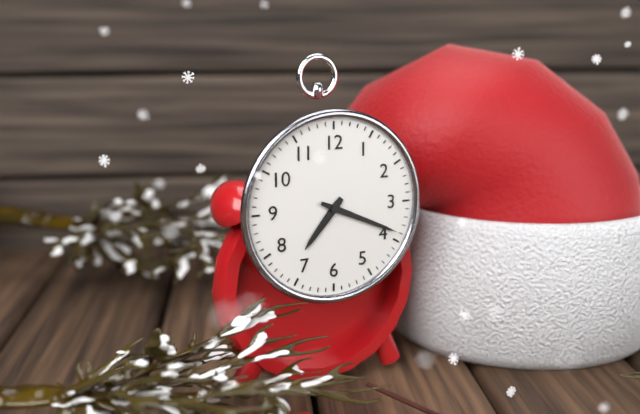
7:19
